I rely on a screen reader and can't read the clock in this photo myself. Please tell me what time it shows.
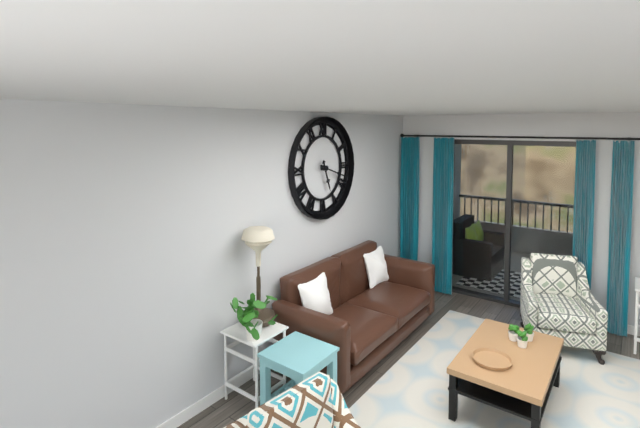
5:18
